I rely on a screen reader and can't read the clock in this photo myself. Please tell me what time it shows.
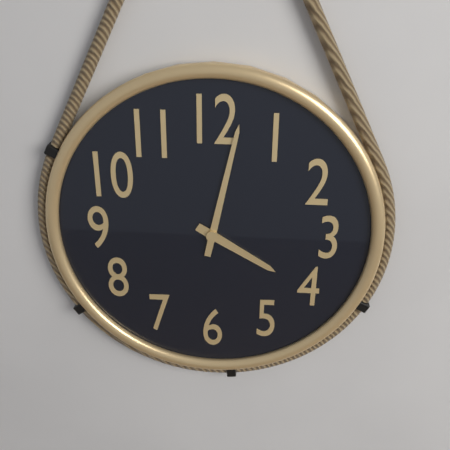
4:02
